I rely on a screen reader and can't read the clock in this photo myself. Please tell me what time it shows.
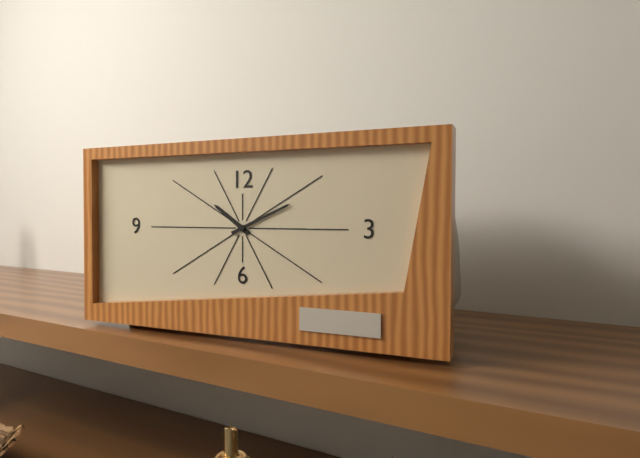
10:11
